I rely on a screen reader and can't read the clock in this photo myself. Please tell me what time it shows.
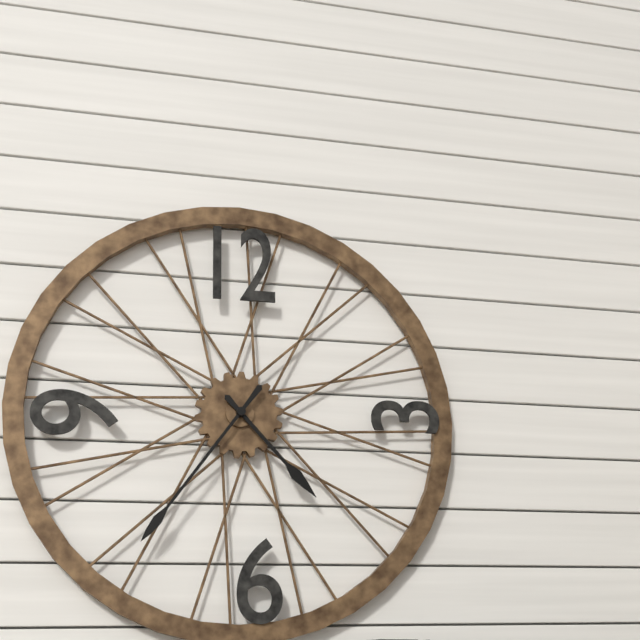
4:36
